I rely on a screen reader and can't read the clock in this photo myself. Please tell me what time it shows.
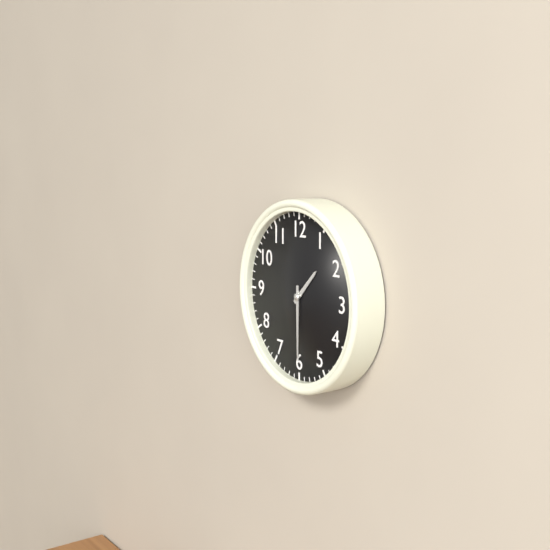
1:30
